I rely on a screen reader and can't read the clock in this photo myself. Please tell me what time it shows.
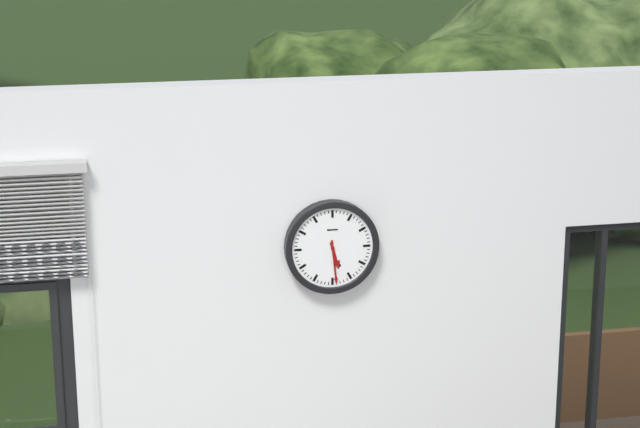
5:29
